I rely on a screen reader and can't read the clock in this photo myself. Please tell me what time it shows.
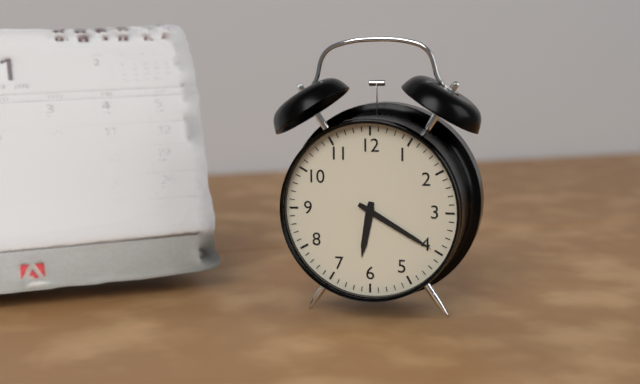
6:20
